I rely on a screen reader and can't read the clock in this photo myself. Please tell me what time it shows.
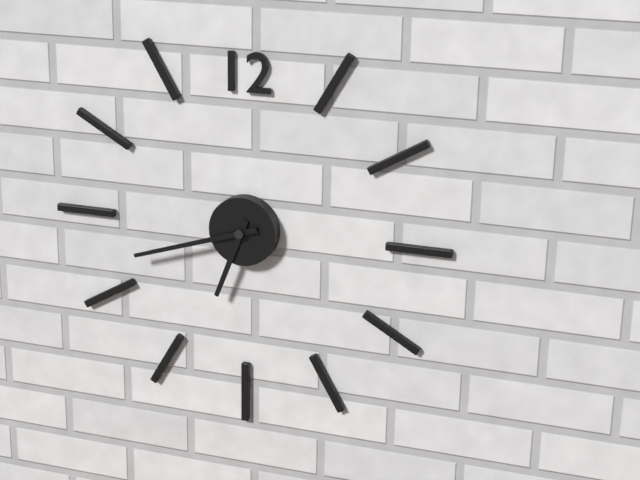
6:42
